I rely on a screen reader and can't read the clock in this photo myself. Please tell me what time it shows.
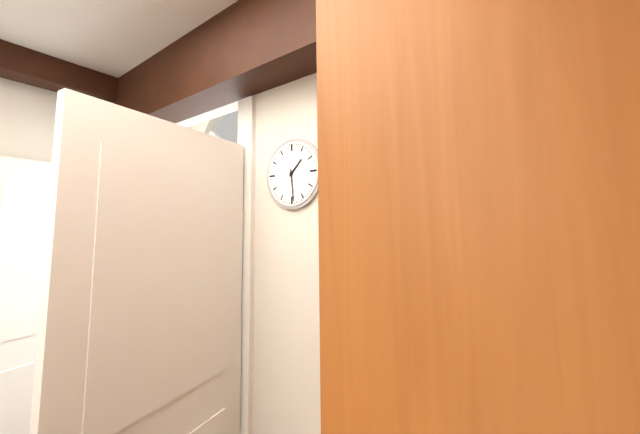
1:29
